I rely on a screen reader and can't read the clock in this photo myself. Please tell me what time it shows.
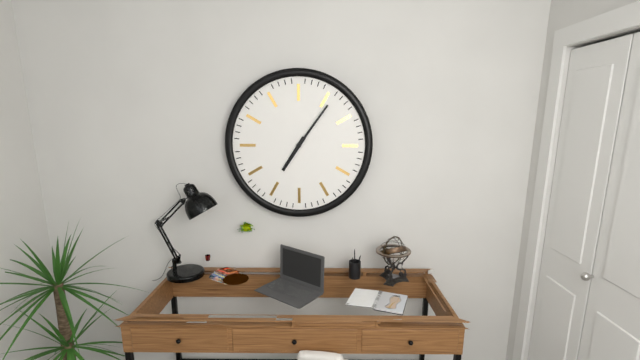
7:06
